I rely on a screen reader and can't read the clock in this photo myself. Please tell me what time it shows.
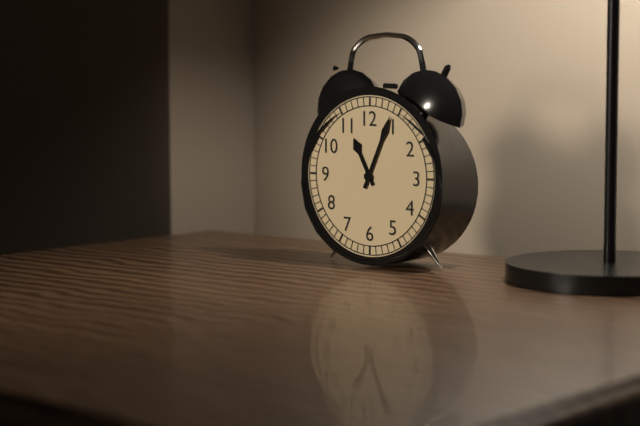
11:04
